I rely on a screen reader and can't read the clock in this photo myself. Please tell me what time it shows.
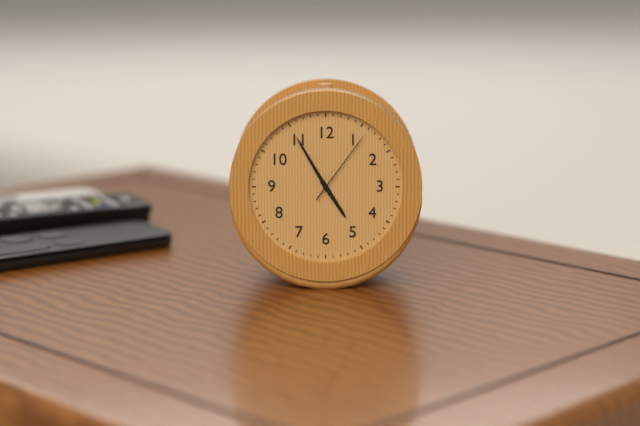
4:55:06
